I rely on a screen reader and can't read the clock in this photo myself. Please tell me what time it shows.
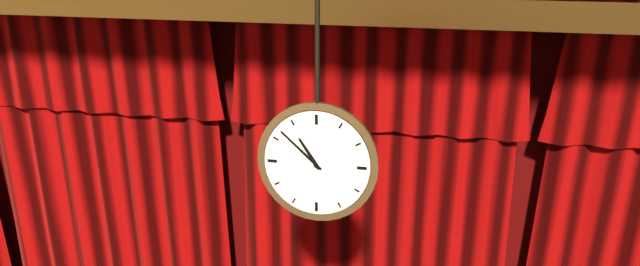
10:52
